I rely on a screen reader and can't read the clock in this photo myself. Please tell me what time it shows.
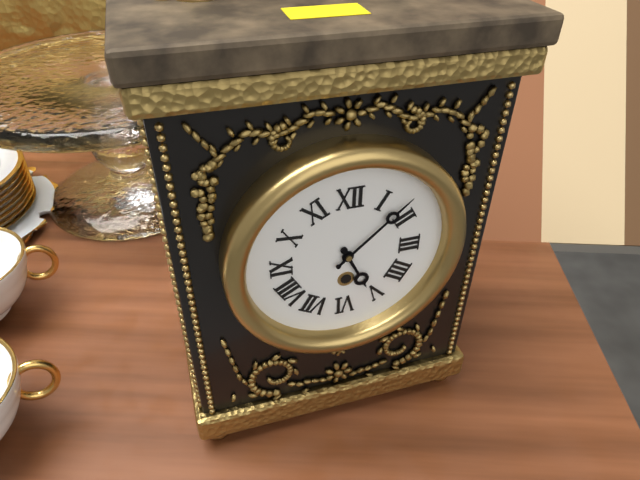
5:08
